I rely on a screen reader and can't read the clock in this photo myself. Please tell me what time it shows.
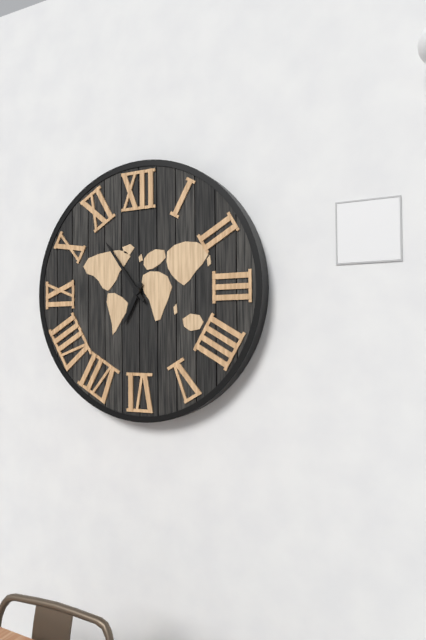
6:54
